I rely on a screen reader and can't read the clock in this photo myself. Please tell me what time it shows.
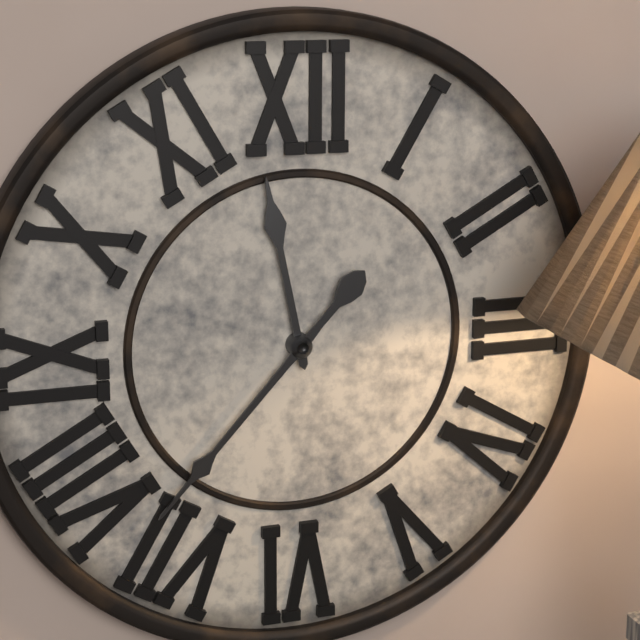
11:37
